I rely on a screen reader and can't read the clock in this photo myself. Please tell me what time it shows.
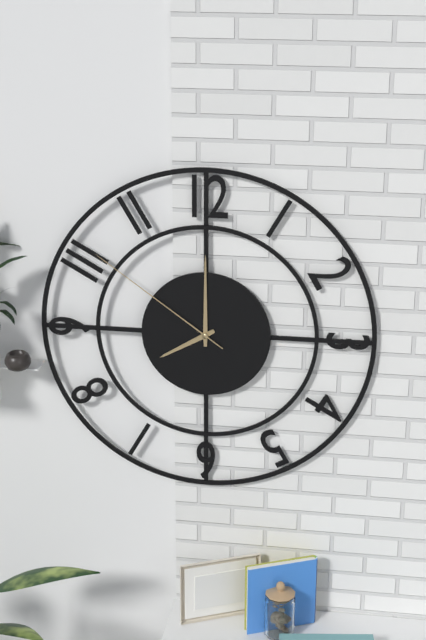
8:00:51
